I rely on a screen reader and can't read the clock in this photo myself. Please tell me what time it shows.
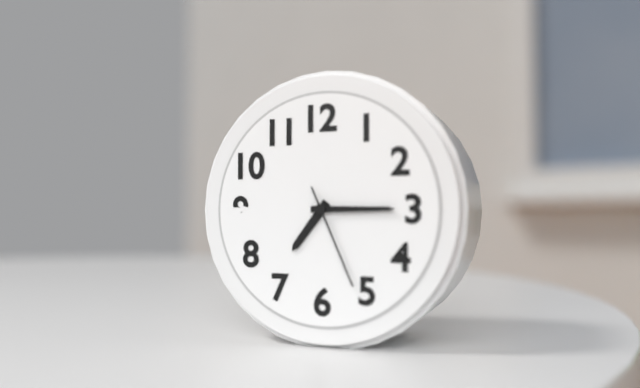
7:15:26
